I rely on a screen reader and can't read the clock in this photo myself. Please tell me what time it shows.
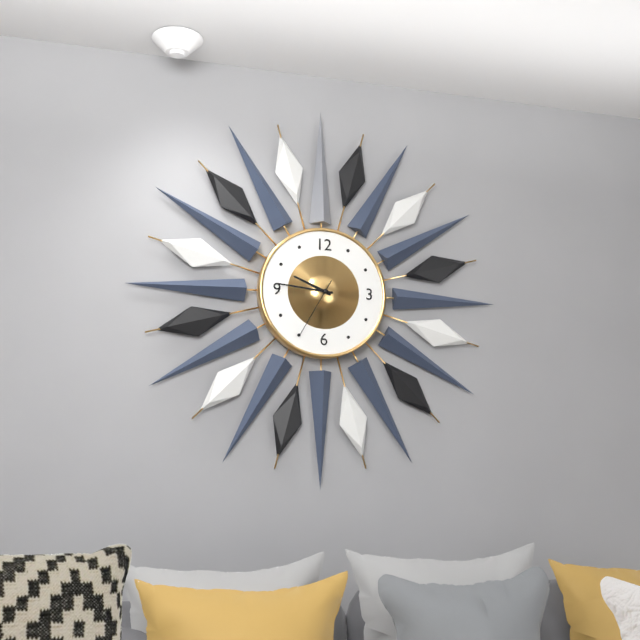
9:46:35
